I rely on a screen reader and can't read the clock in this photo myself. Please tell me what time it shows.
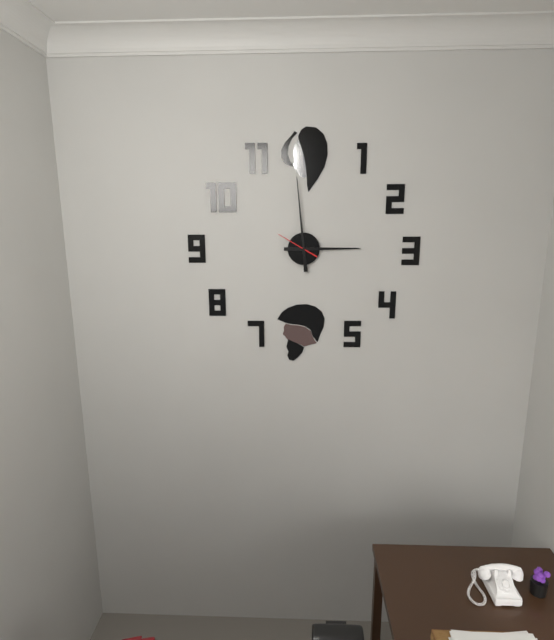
2:59
